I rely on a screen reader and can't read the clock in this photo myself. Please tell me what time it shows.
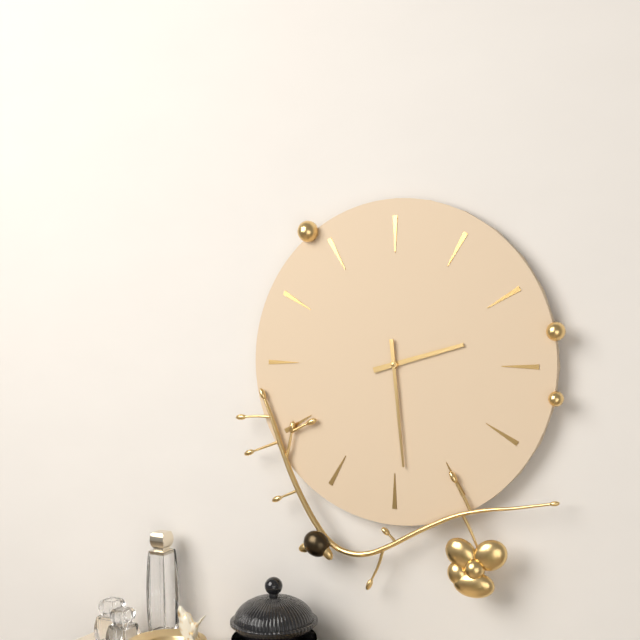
2:29
